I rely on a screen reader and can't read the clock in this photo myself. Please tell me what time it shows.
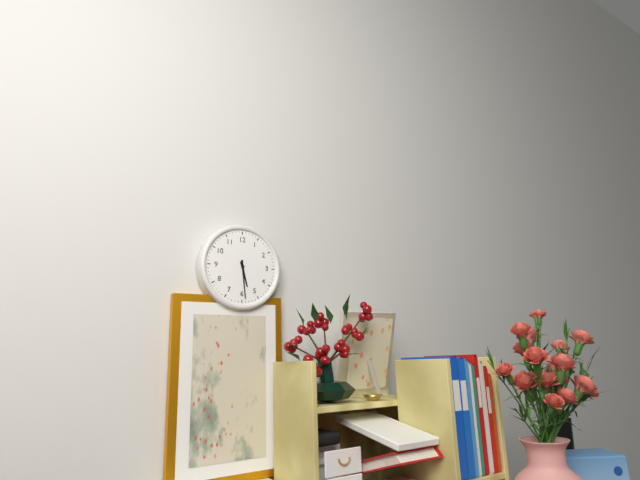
5:29
